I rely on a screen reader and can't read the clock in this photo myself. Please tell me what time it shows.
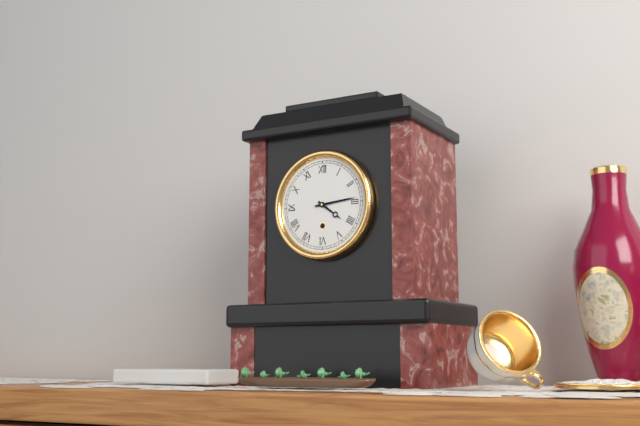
4:14
